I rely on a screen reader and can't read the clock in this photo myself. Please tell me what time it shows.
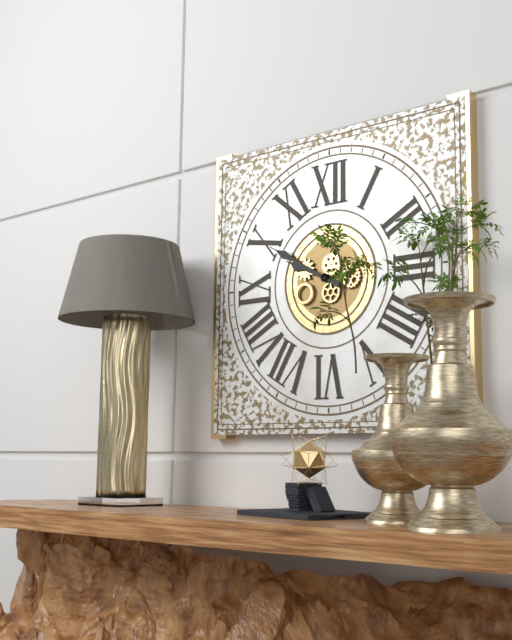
9:50
